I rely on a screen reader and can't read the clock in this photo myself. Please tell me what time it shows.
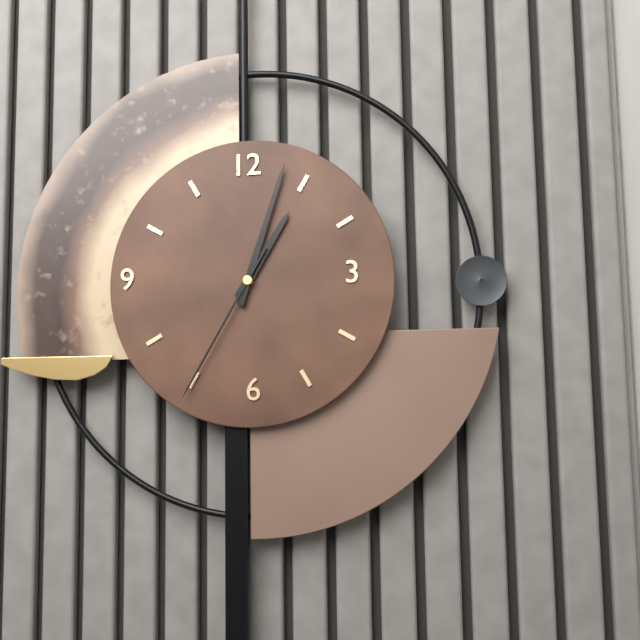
1:03:35
